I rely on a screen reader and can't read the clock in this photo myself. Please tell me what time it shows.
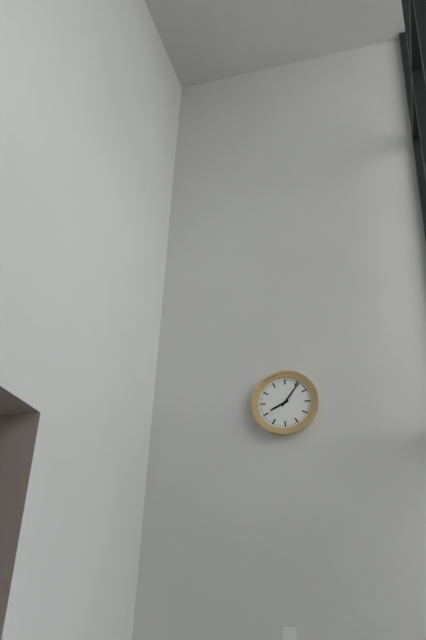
8:06
